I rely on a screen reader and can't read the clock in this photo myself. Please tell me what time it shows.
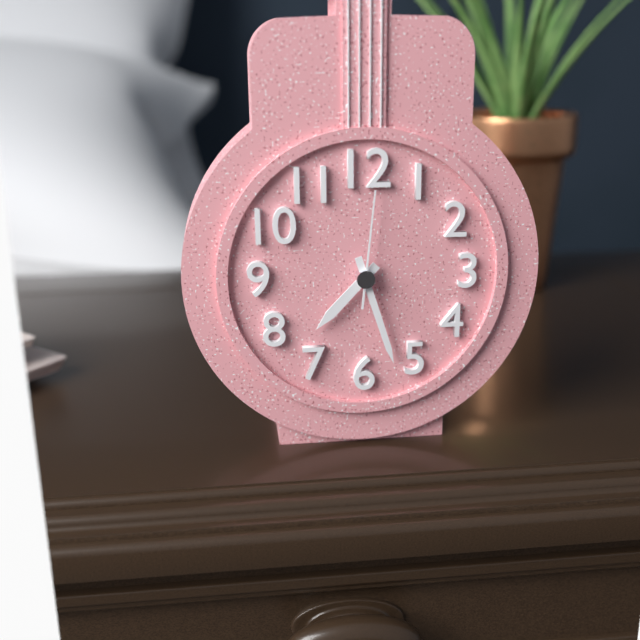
7:27:01
